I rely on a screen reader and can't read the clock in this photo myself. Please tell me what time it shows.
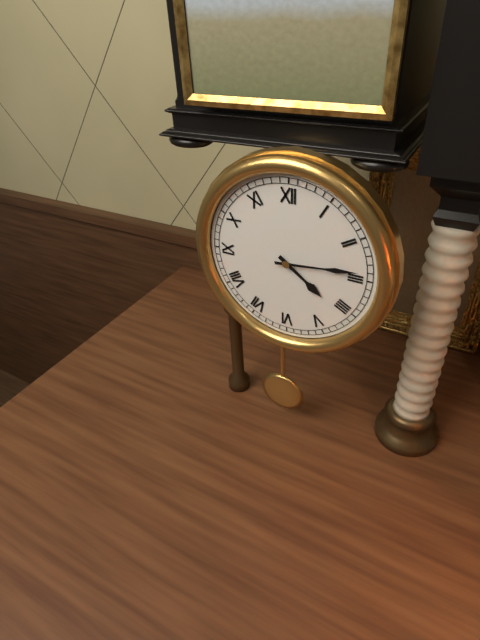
4:14
